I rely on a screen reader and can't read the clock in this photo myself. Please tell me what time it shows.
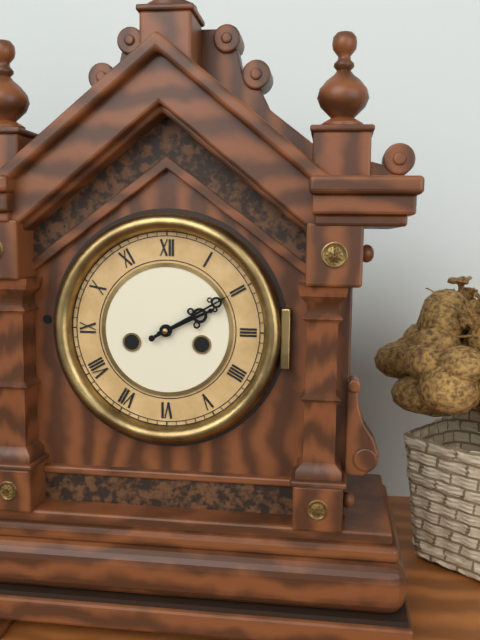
2:10
